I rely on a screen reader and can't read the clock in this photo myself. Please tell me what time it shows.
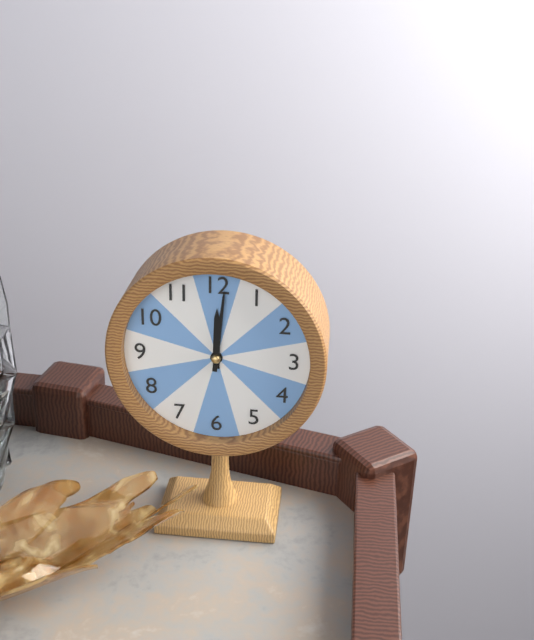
12:01
